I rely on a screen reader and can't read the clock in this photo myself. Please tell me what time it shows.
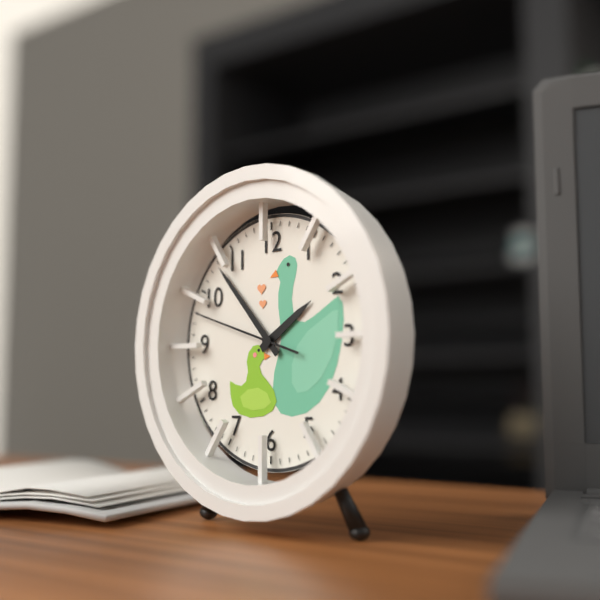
1:53:48
